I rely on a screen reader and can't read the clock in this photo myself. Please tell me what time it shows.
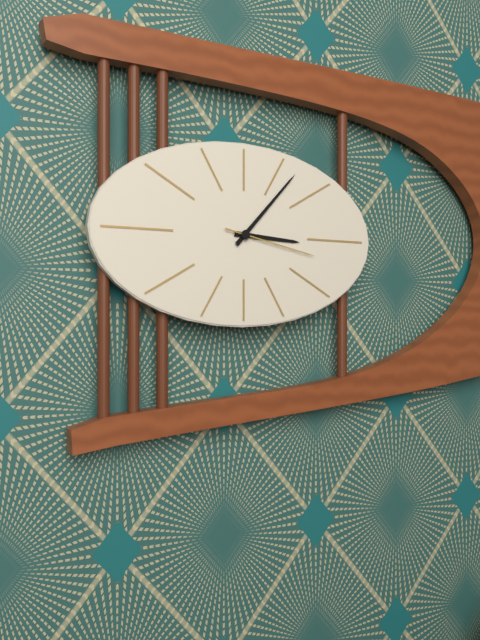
3:07:17
